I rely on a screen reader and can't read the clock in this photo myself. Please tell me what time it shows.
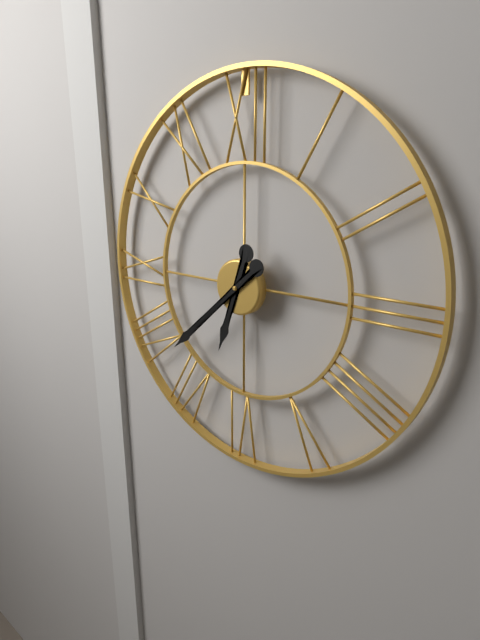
6:38
